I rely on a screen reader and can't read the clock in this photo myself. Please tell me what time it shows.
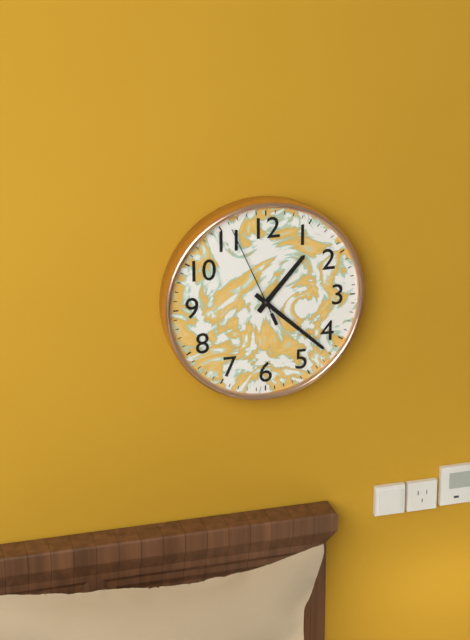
1:22:56
